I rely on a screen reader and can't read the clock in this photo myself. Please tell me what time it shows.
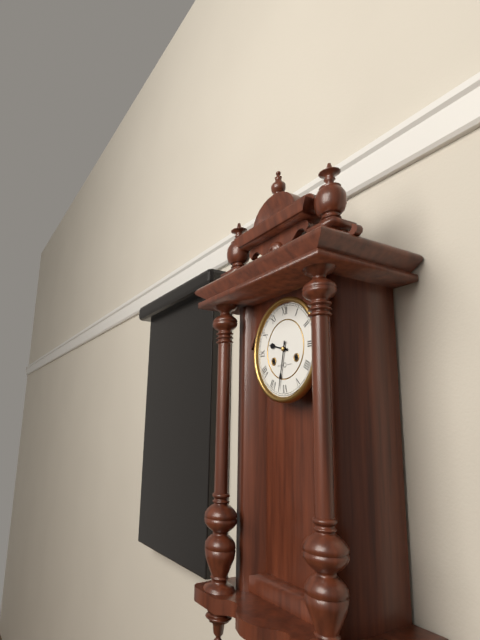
9:32
